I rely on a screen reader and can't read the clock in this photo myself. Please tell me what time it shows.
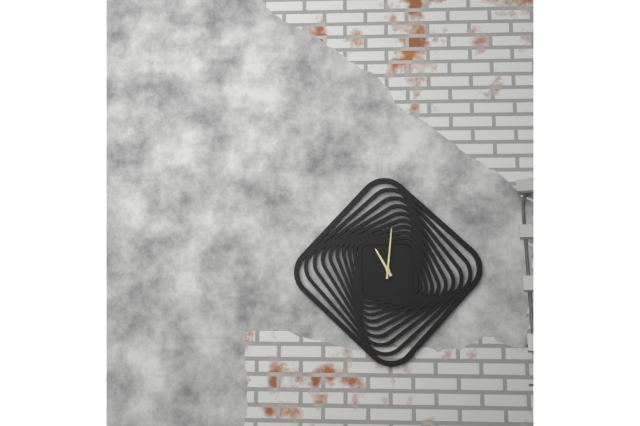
11:01
